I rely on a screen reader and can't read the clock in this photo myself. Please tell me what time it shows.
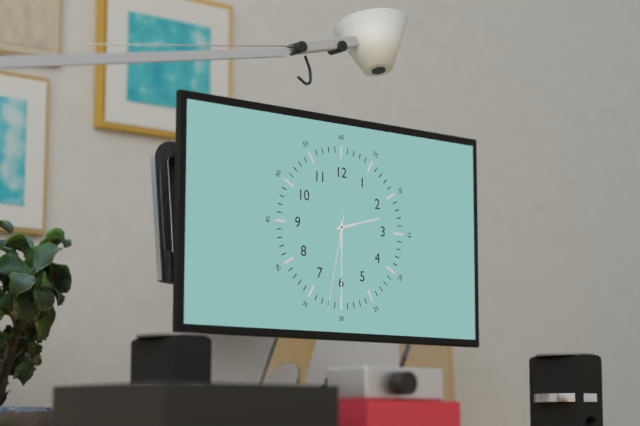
2:30:32
